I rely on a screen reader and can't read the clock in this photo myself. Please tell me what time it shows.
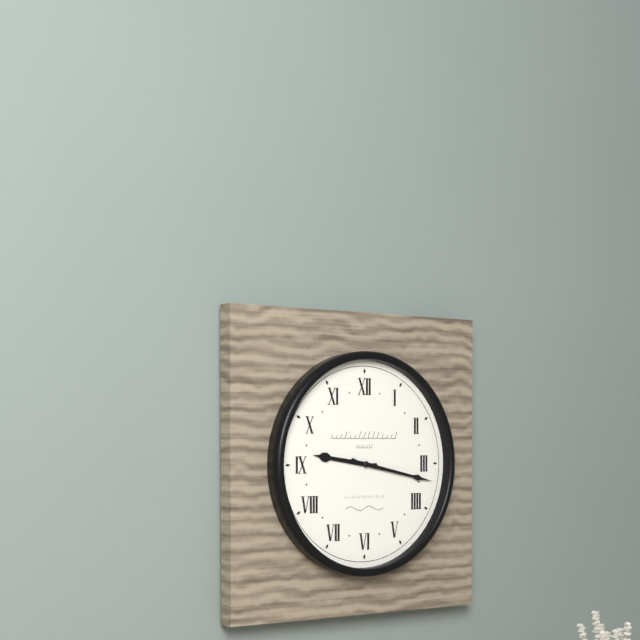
9:17
